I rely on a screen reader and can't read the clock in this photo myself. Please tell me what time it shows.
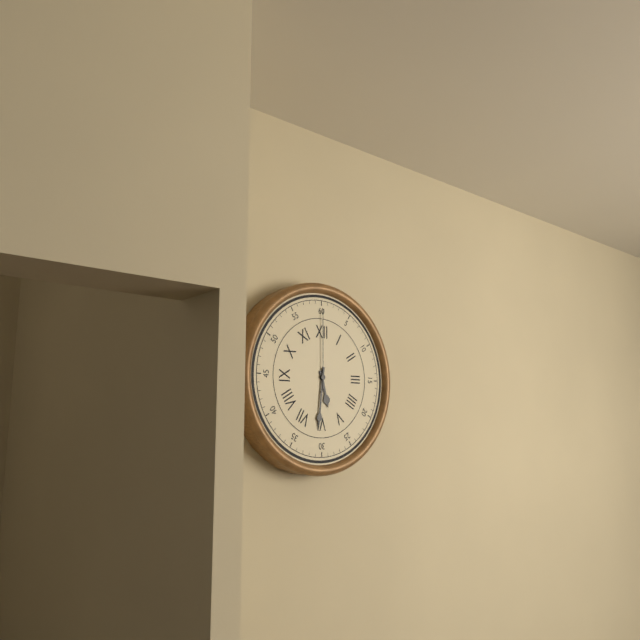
5:31:00
